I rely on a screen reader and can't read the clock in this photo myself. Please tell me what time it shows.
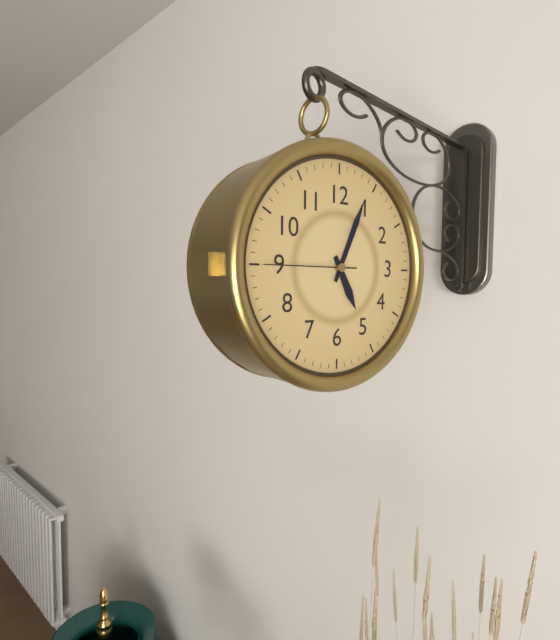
5:04:45
